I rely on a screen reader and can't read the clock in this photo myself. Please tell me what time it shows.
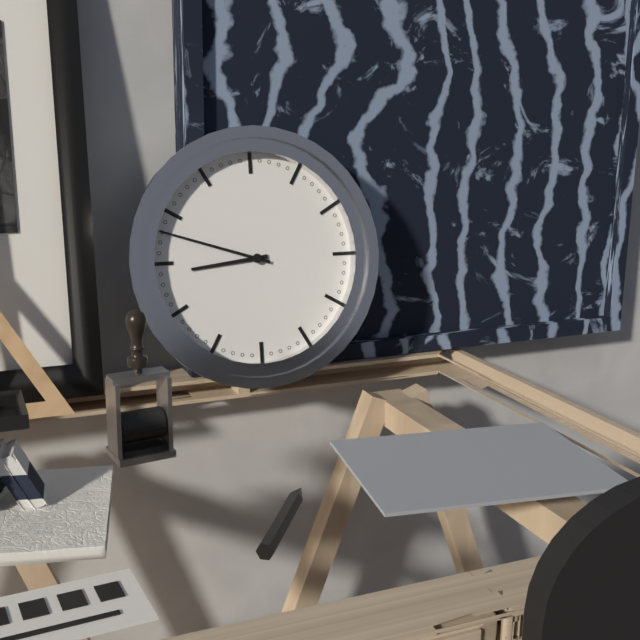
8:48
